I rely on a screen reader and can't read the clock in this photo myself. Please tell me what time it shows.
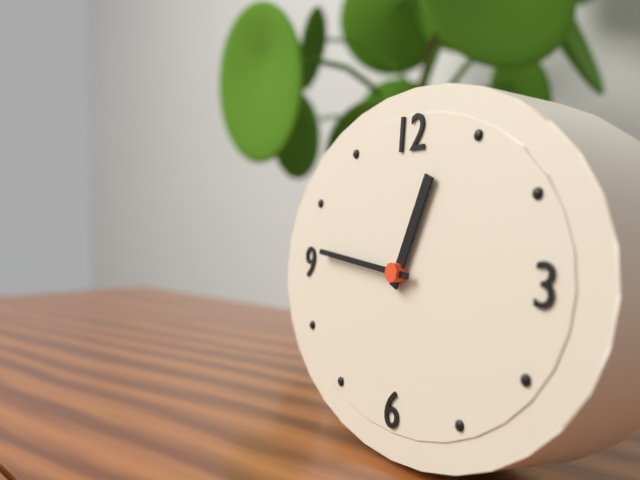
12:46
